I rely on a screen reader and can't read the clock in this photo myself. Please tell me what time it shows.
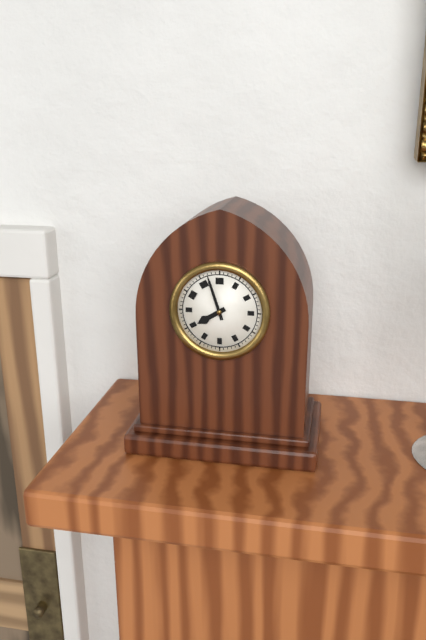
7:57
